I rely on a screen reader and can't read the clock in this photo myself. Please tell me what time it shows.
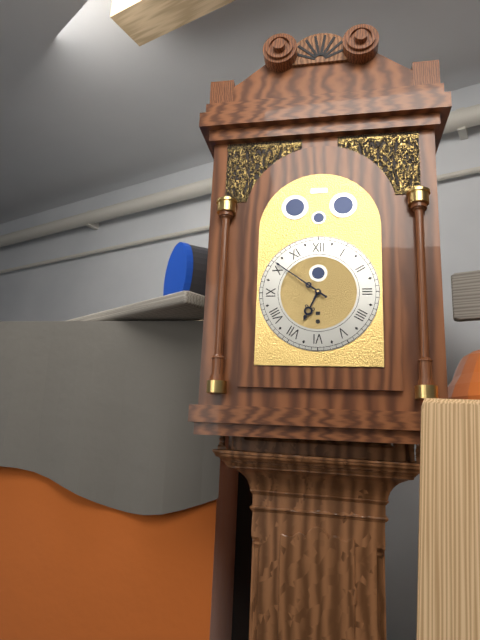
6:51
